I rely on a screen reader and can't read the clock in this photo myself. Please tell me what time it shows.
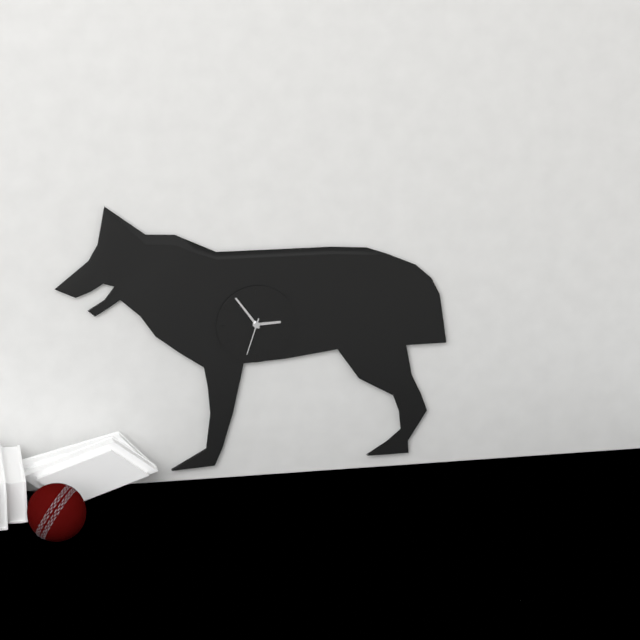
2:54
